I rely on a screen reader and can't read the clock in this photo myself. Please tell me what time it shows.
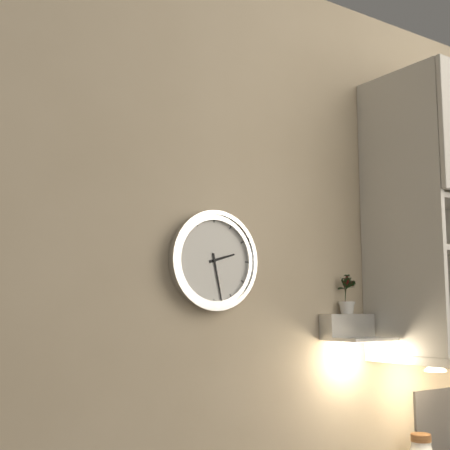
2:28
